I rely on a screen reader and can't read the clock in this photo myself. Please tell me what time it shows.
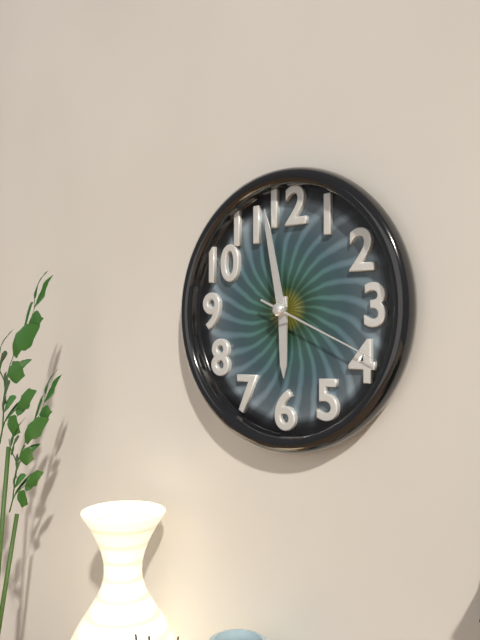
5:58:19
